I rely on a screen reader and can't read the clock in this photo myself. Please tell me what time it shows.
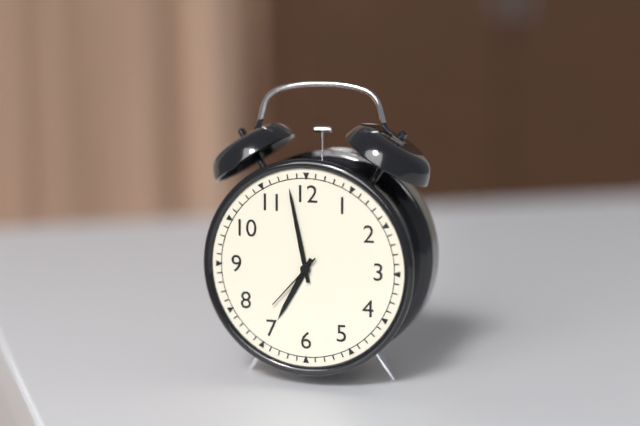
6:58:37
